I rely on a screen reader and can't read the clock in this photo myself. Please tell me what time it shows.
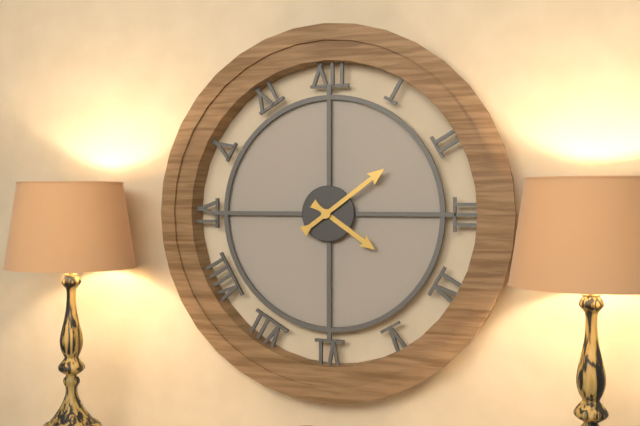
4:09
